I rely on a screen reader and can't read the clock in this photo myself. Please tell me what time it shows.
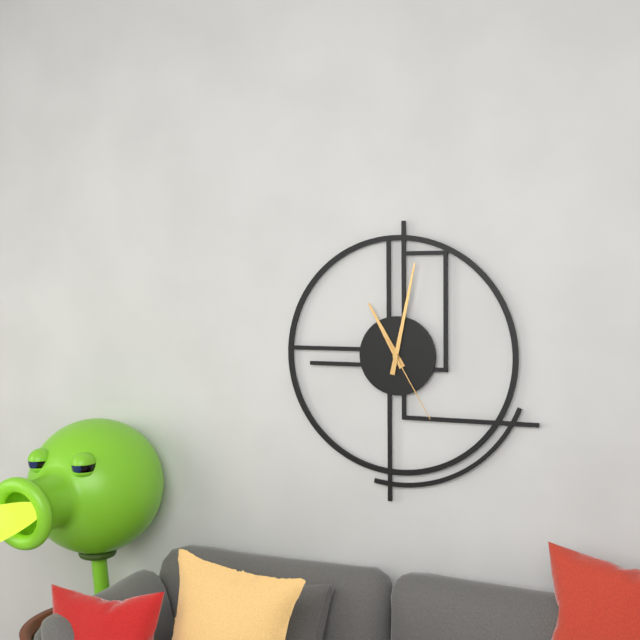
11:02:25
